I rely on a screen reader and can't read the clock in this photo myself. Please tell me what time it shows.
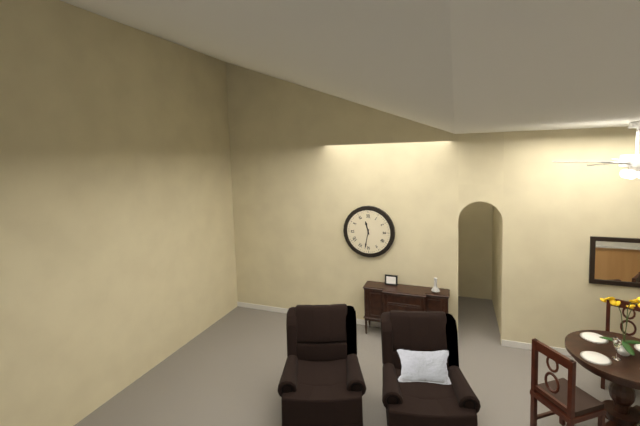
11:32
